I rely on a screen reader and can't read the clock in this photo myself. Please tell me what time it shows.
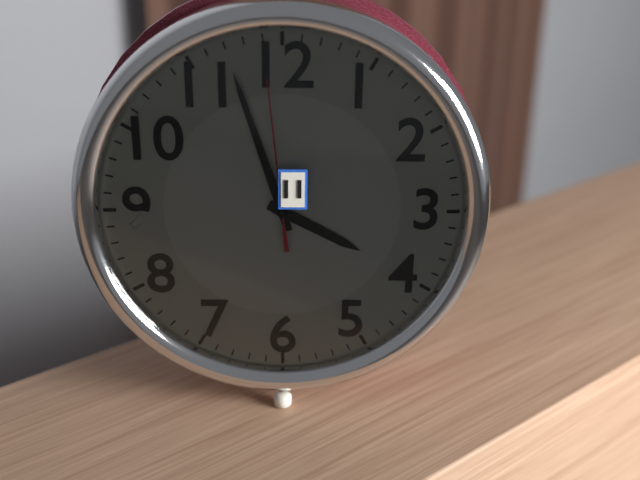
3:57:59
